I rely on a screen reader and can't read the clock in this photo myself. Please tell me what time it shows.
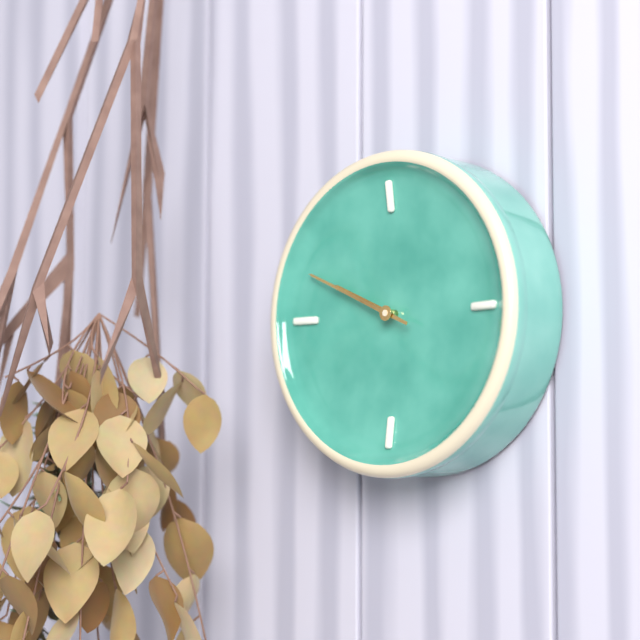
9:49
